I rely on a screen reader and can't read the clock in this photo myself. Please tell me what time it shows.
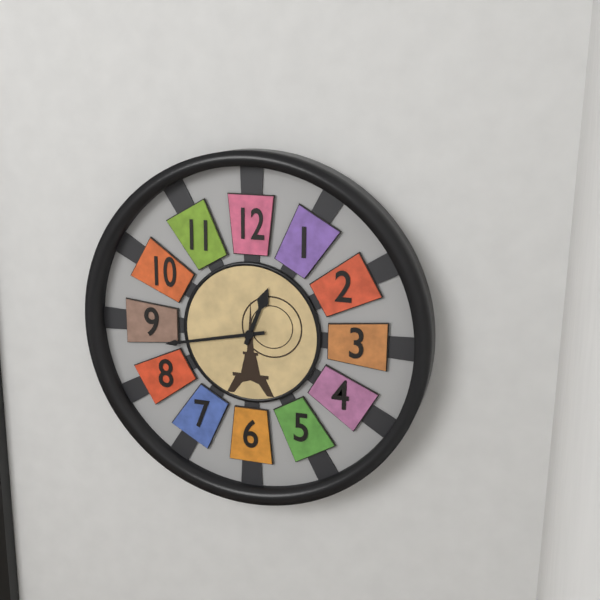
12:43
